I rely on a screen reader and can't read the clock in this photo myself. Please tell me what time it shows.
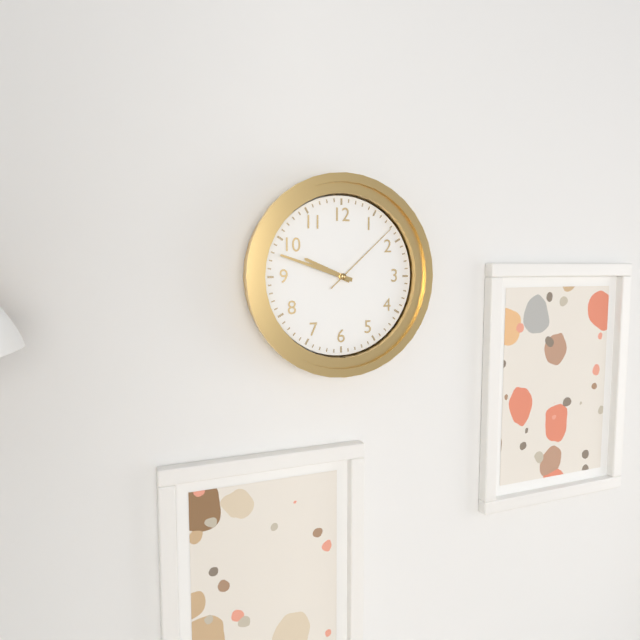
9:48:08
